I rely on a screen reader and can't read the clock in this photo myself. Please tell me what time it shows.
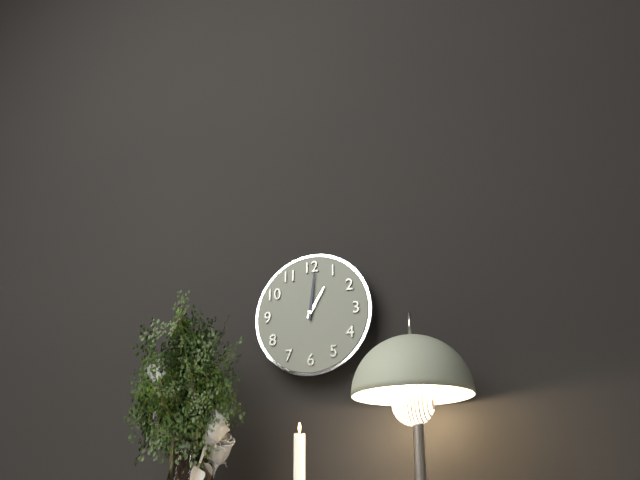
1:01
